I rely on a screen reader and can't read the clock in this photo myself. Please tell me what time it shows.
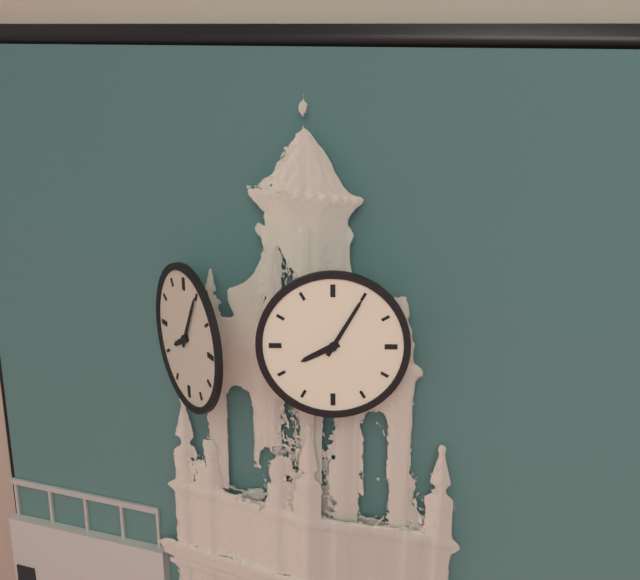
8:05
